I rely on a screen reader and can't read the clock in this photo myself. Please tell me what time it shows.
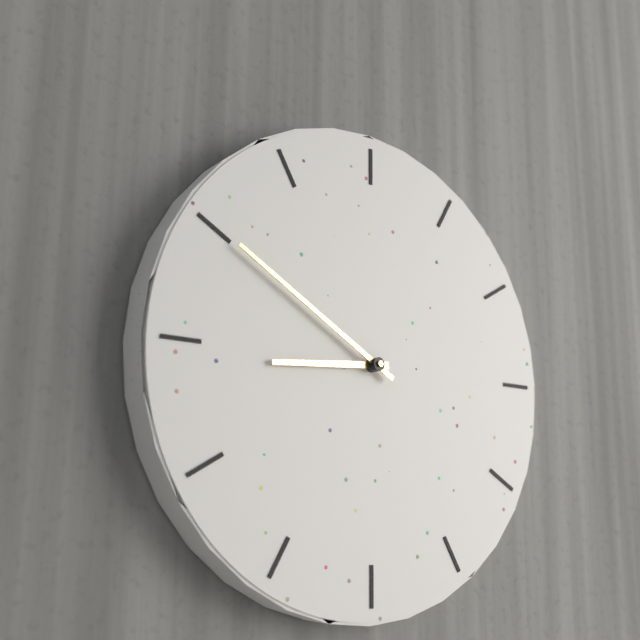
8:50
